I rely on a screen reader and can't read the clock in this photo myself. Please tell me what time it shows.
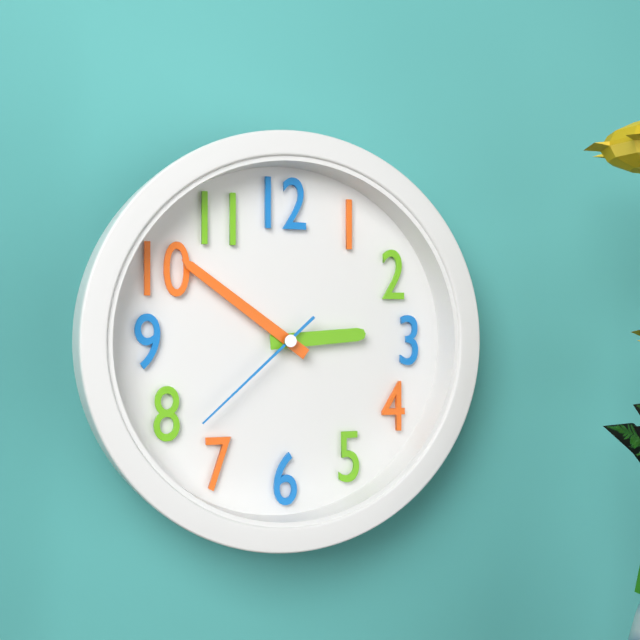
2:51:38
